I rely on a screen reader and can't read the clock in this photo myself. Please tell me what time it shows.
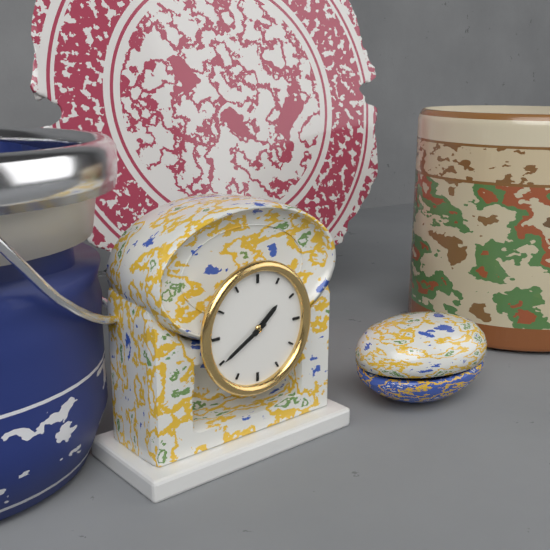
1:40
